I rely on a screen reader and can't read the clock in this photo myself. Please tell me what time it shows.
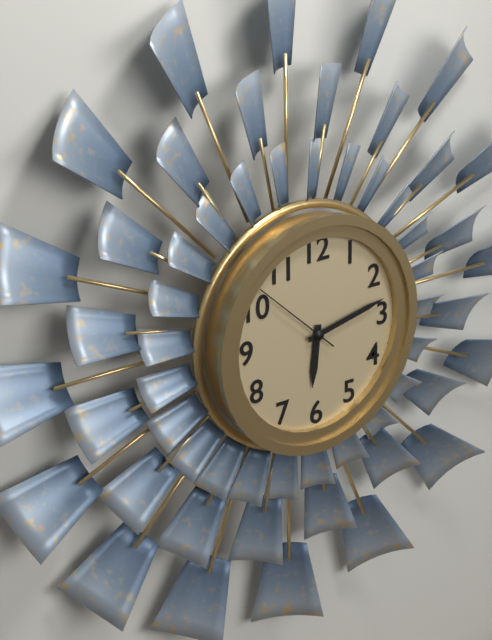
6:13:52
